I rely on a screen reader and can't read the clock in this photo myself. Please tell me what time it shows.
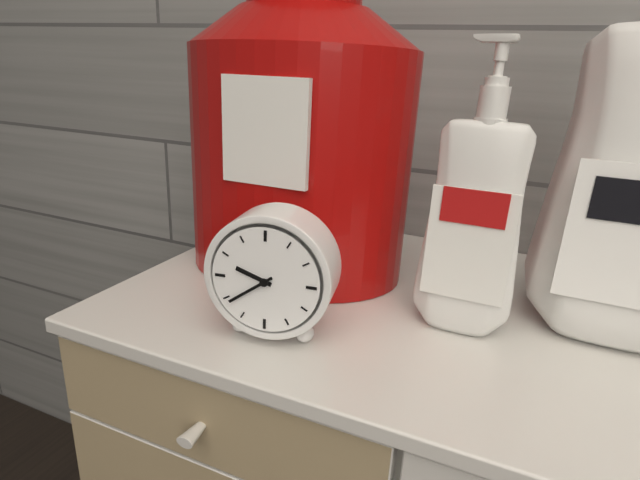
9:39
